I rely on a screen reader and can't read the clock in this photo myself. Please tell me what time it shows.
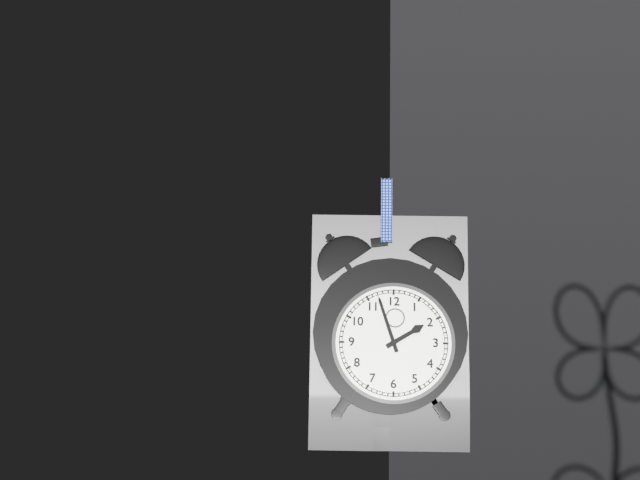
1:57
